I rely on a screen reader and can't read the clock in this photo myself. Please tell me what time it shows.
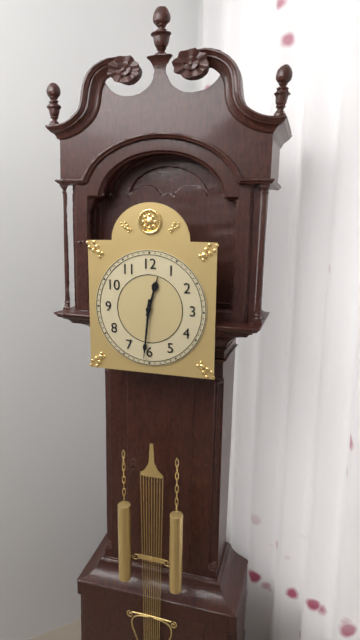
12:31
